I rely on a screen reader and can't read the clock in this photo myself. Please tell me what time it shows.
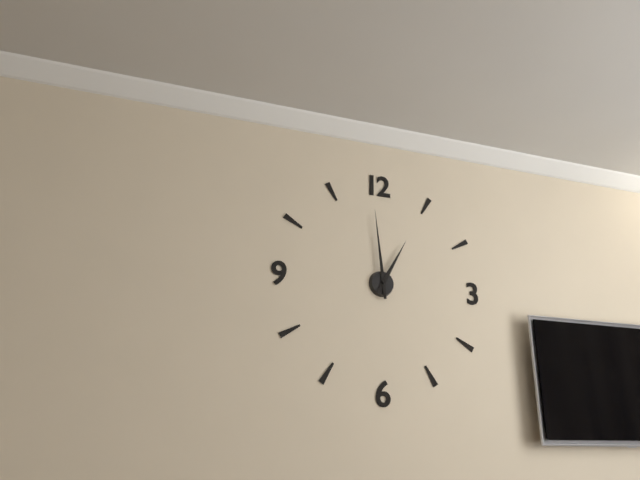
12:59
